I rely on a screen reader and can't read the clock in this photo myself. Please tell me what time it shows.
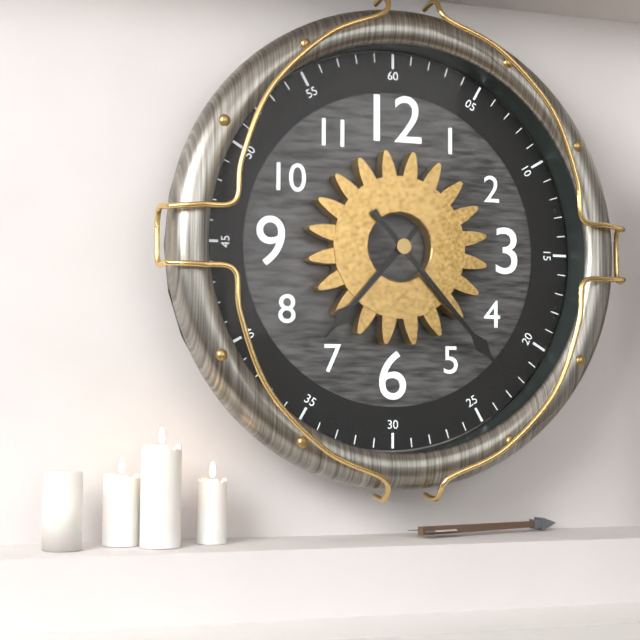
7:23
